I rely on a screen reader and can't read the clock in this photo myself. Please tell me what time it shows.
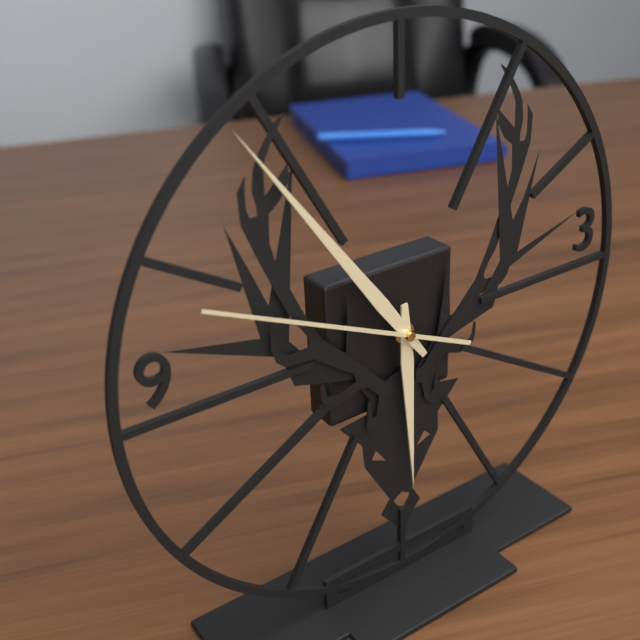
5:54:49
